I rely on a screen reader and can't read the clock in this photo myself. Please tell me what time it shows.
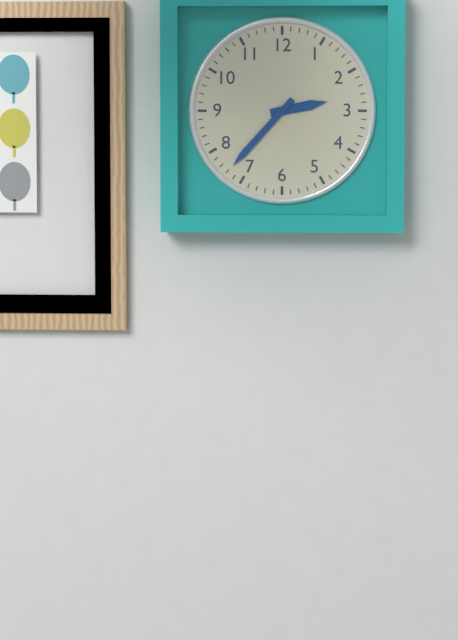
2:37
